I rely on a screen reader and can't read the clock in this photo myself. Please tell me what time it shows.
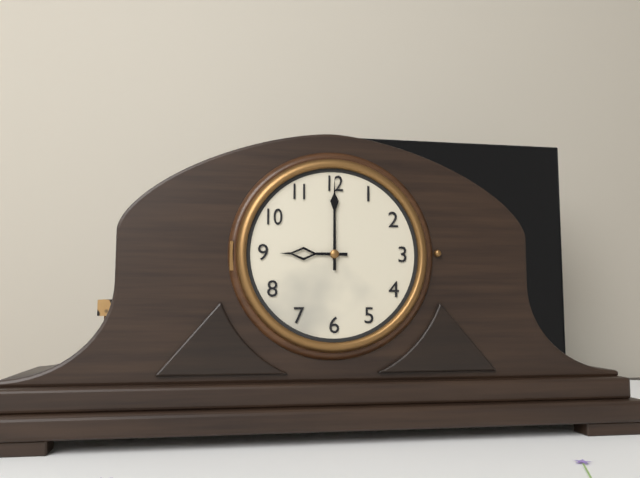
9:00
